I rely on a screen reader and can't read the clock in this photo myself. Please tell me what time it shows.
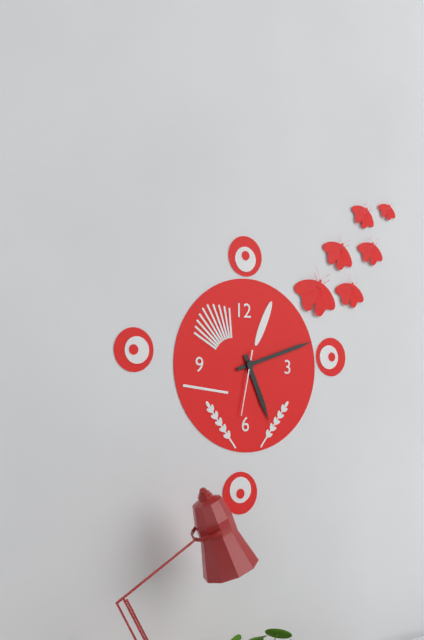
5:12:32
